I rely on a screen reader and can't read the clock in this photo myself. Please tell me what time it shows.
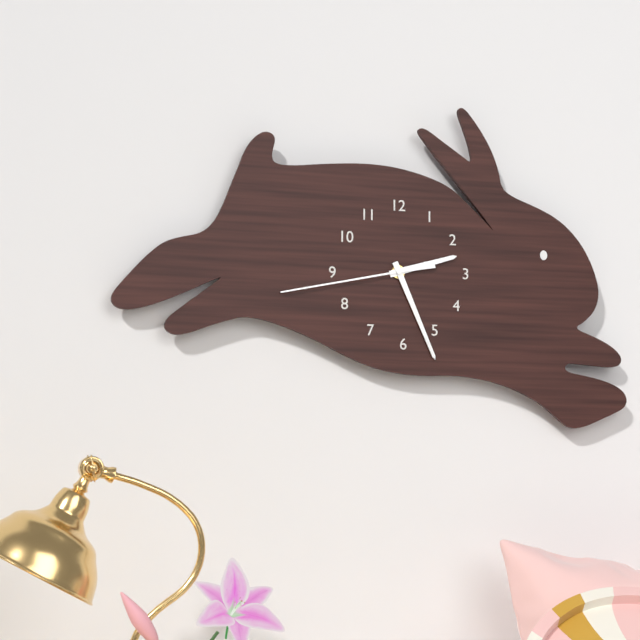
2:26:43
